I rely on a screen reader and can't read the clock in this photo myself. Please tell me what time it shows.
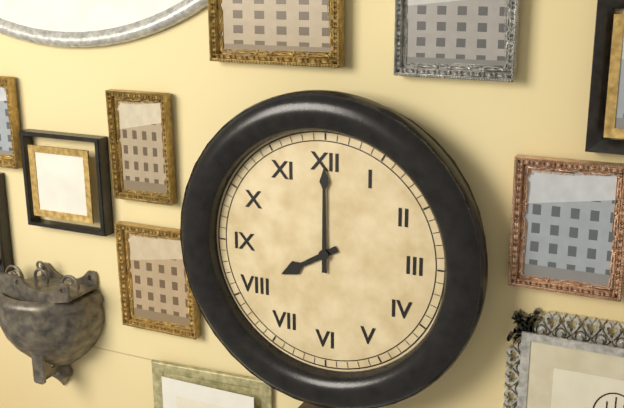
8:00
